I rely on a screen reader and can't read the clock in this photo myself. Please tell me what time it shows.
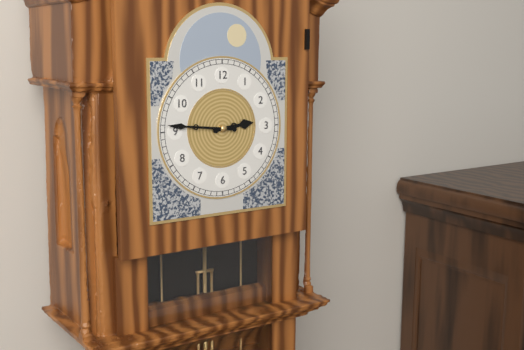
2:46
